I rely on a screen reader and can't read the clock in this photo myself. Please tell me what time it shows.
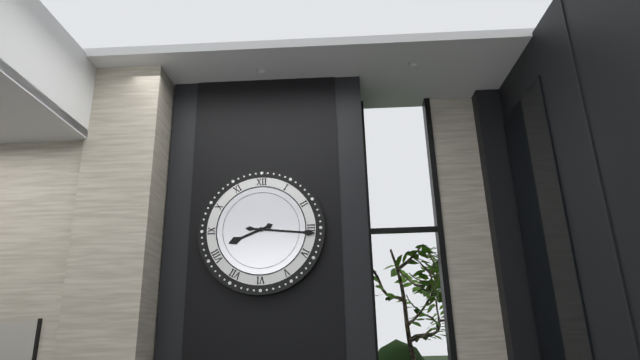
8:16
